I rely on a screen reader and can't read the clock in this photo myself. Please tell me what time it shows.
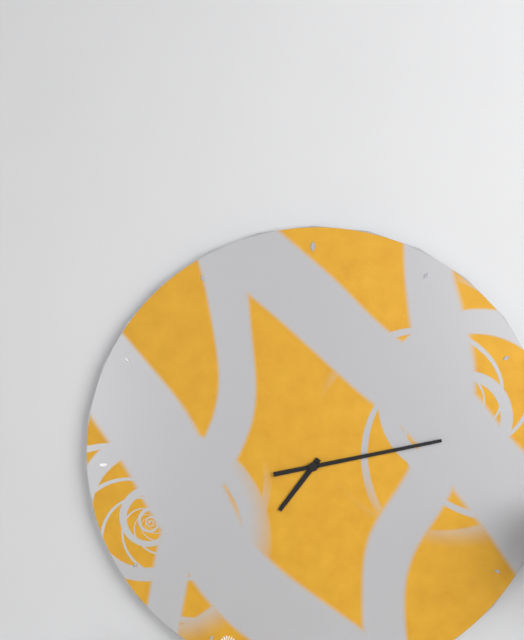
7:13
